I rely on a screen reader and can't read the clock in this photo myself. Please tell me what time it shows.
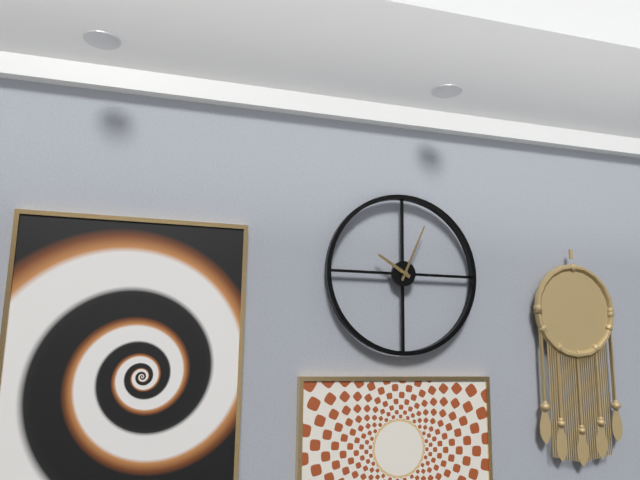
10:04
